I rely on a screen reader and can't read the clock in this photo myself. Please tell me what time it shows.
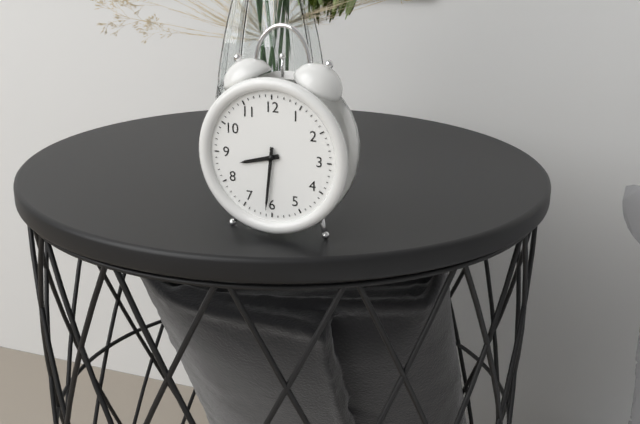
8:31
